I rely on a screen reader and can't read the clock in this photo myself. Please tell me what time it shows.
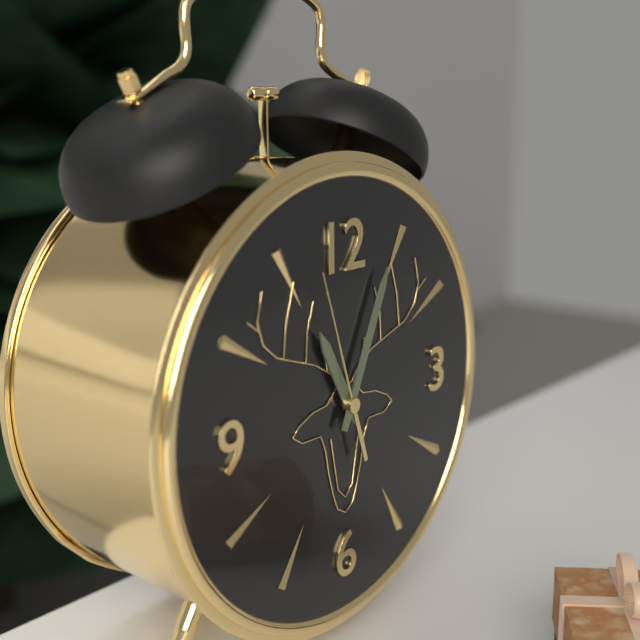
11:04:57
